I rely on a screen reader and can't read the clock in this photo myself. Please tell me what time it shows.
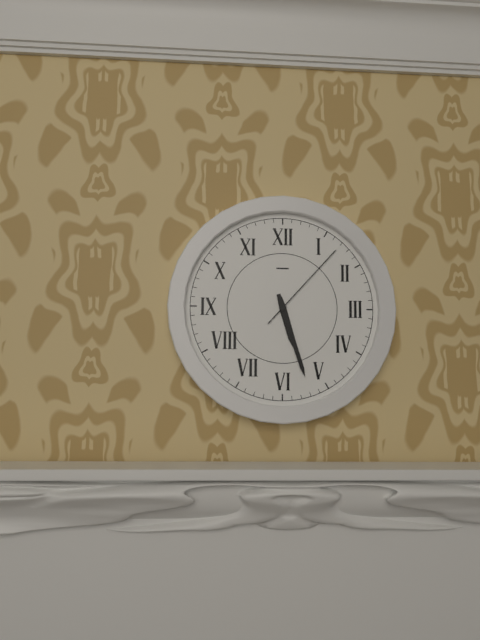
5:27:07
